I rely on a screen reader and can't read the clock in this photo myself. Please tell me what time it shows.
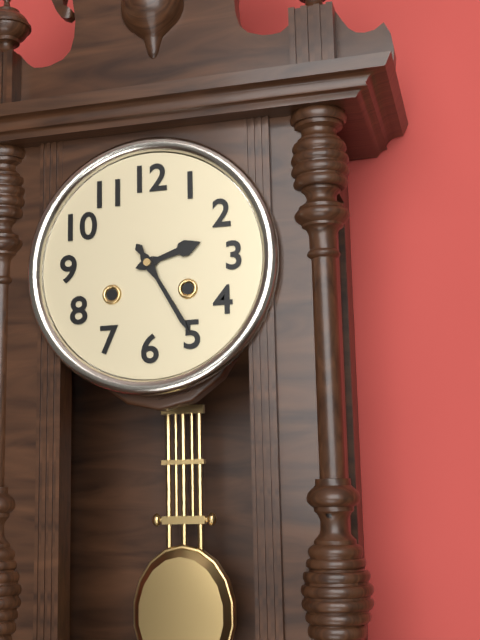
2:25
